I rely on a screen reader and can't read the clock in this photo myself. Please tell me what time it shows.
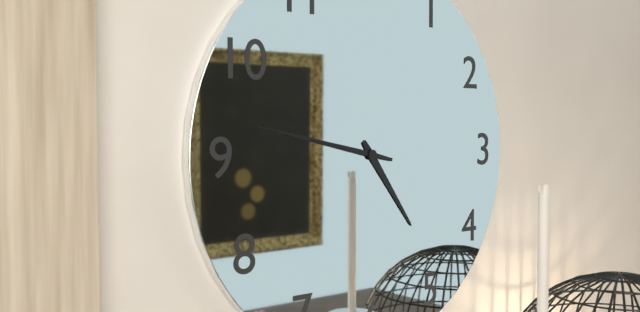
4:47
